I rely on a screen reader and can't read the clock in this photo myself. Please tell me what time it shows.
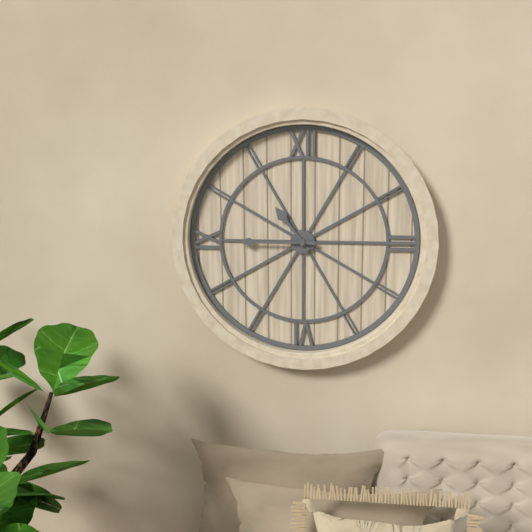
10:45
